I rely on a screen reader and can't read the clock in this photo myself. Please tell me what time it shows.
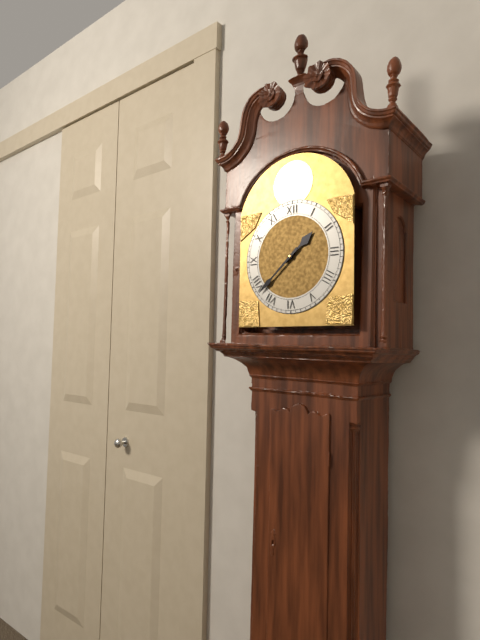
1:38
